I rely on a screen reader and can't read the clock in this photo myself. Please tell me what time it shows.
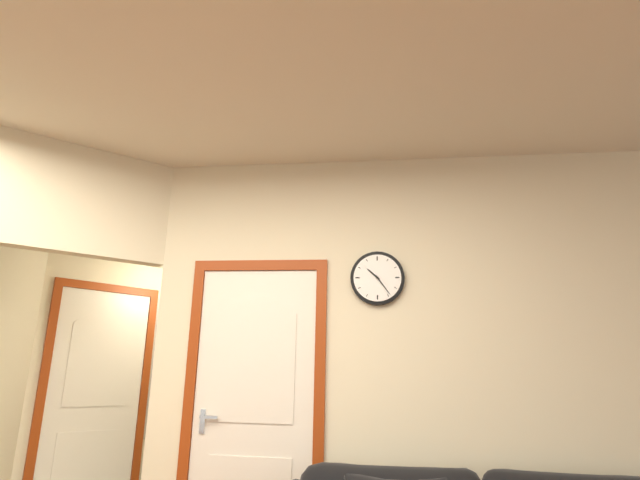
10:24
